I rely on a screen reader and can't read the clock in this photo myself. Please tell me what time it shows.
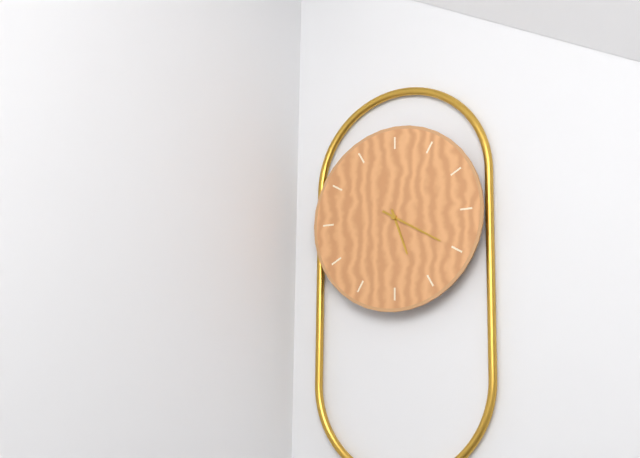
5:20
